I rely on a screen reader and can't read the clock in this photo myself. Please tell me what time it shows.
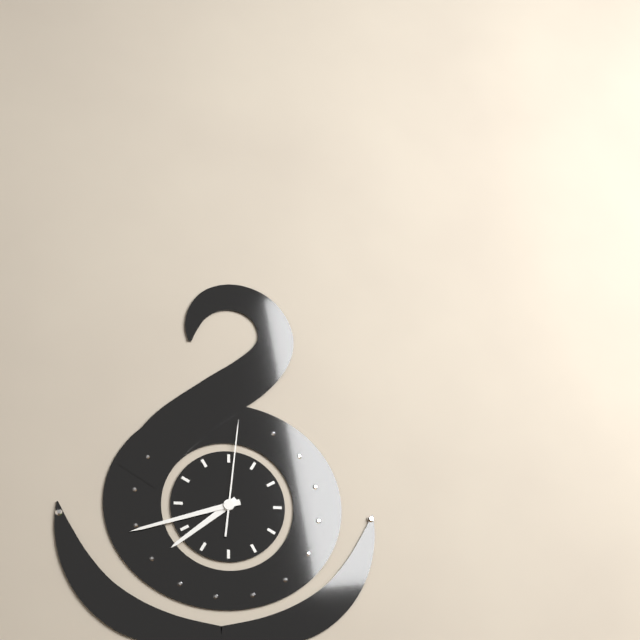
7:42:01
